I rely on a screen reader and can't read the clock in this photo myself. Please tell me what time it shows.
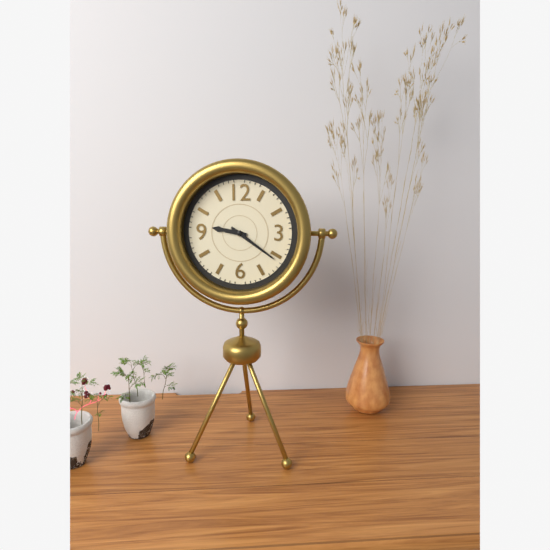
9:21
